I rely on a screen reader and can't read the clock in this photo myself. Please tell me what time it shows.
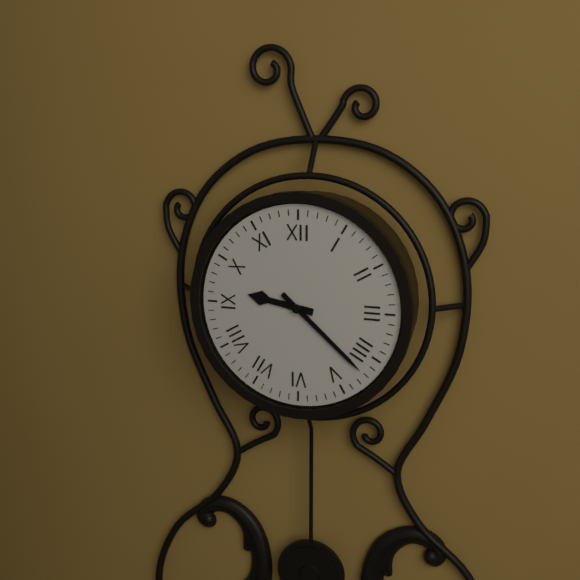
9:22
